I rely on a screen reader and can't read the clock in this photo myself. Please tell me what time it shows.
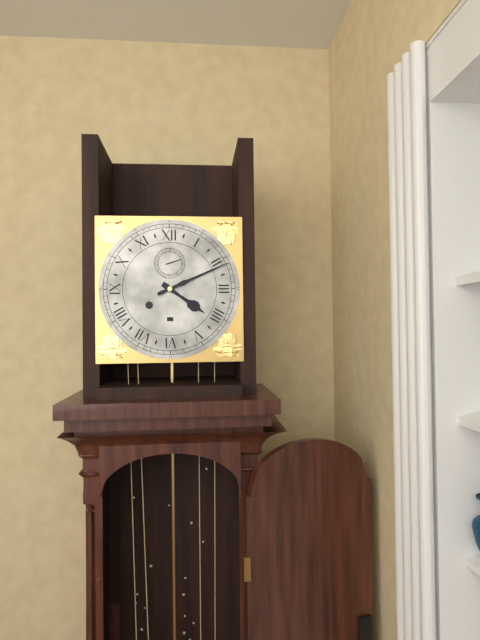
4:11
